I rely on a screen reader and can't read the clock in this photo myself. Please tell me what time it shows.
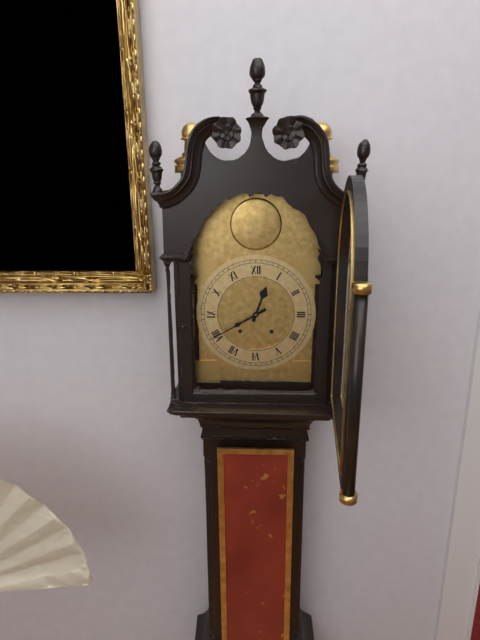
12:40
